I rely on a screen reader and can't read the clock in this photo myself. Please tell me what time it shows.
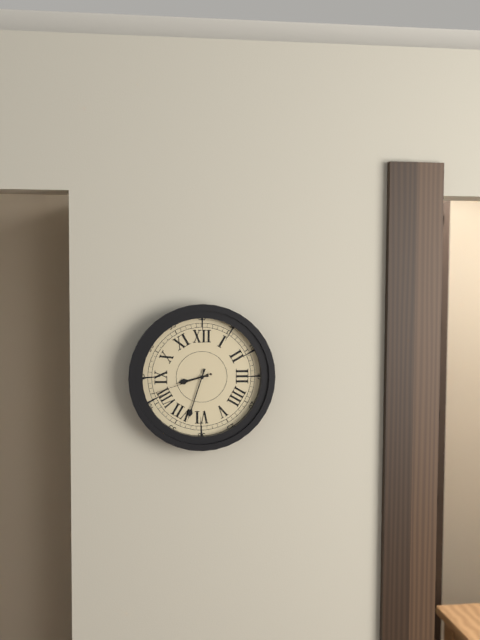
8:33:42
